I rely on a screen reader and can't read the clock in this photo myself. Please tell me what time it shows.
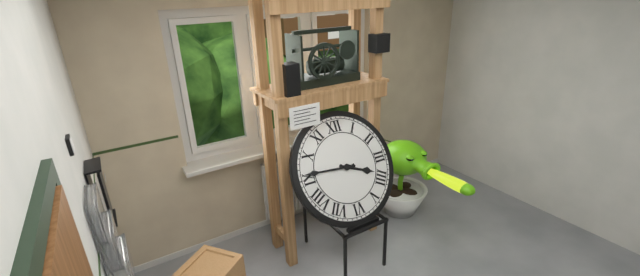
3:46
